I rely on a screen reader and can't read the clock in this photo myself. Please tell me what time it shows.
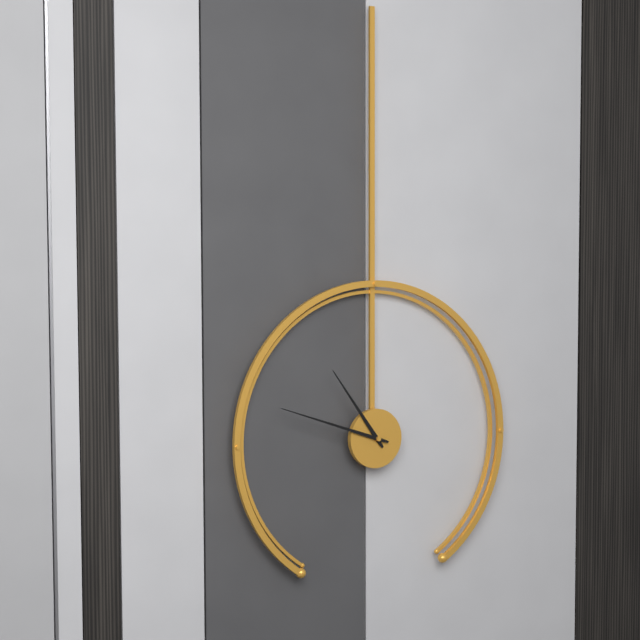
10:48
